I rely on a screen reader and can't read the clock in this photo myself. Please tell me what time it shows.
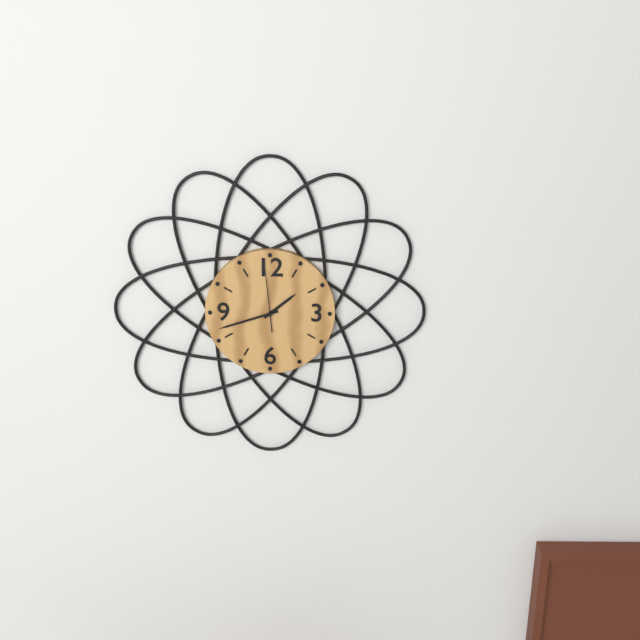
1:42:59
